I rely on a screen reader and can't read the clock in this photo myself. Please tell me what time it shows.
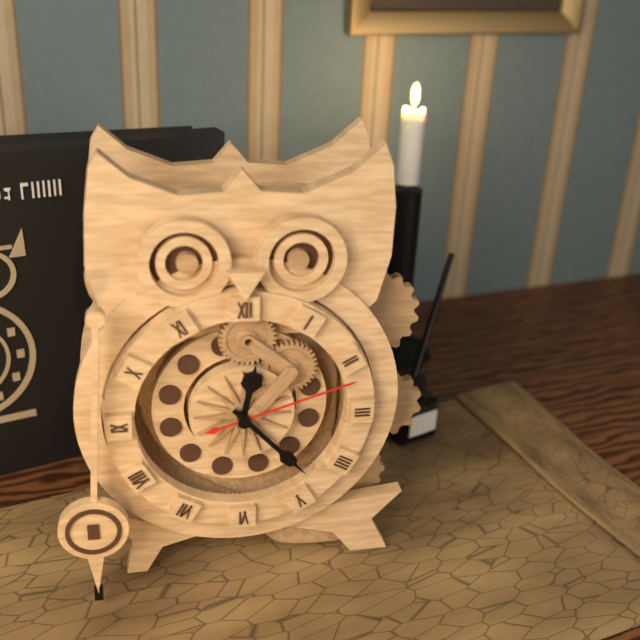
12:23:12
